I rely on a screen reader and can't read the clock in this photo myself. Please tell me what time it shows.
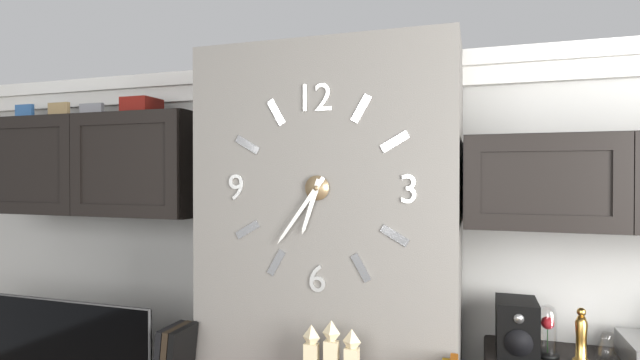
6:36
